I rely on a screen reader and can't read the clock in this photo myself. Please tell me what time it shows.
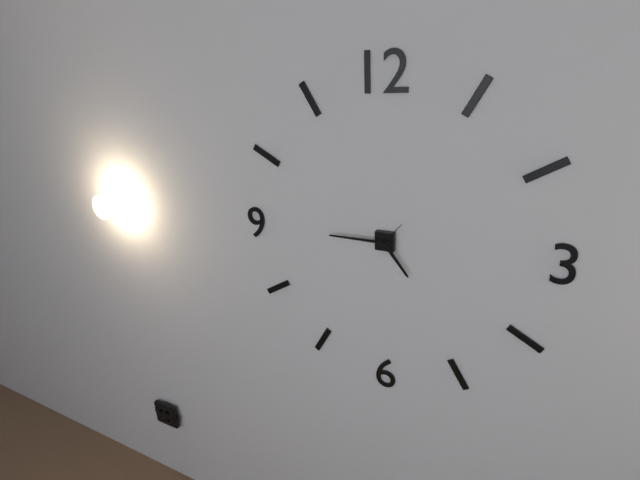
4:45
